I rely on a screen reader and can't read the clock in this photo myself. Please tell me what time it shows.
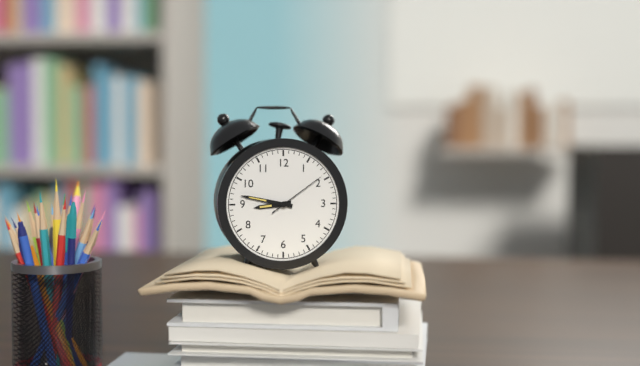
8:47:09
